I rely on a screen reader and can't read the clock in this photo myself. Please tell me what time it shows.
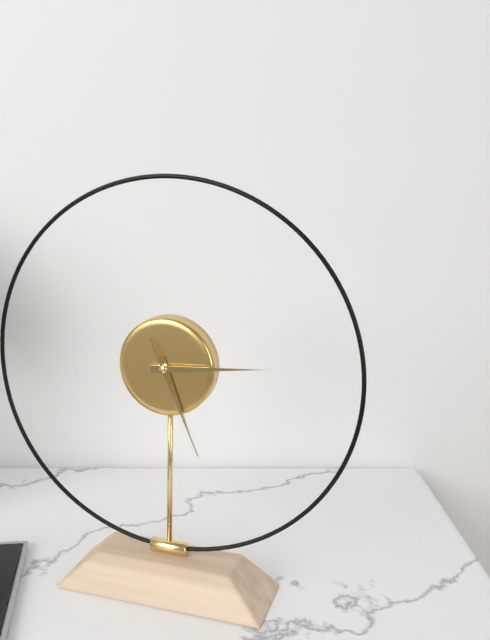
5:14:26
